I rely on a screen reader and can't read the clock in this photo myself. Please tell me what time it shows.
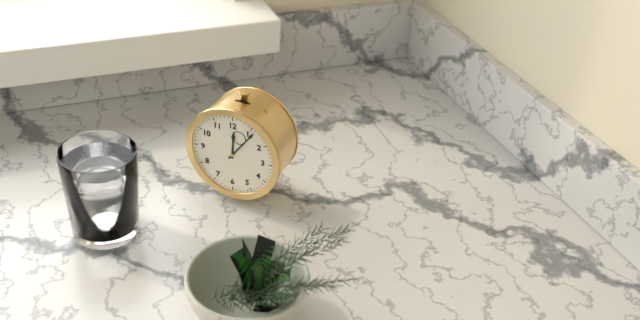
12:06
